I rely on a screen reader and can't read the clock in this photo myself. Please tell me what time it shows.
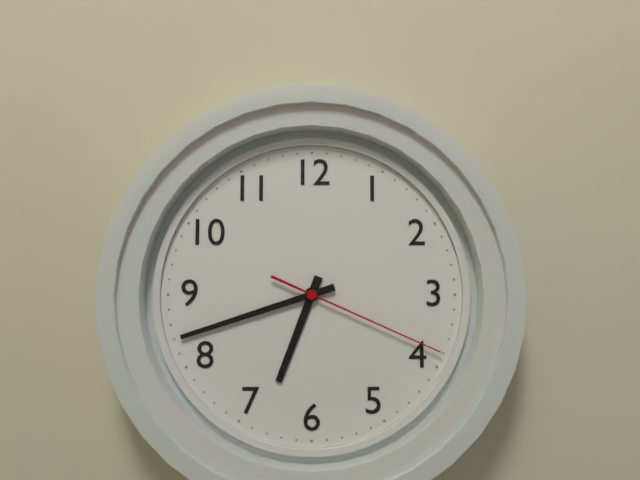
6:42:19
